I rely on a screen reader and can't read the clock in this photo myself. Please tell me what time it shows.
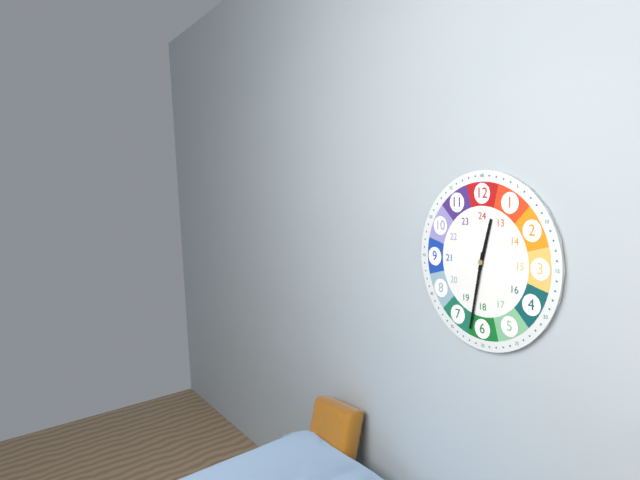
12:32
